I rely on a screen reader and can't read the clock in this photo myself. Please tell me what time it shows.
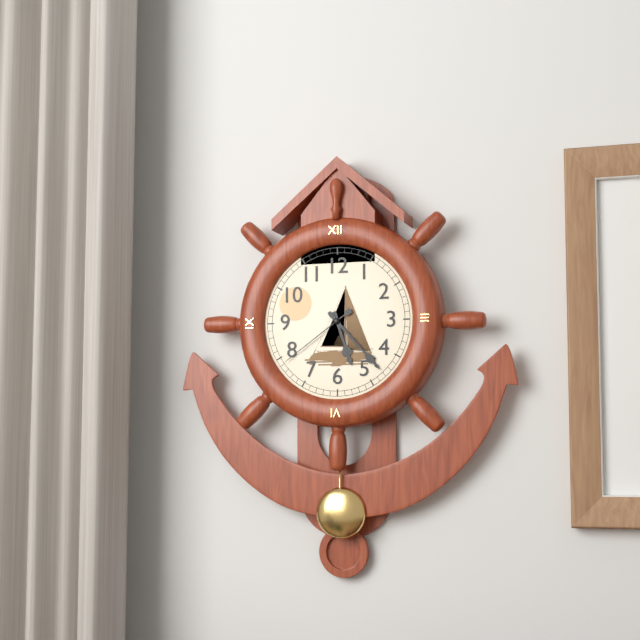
5:23:39
